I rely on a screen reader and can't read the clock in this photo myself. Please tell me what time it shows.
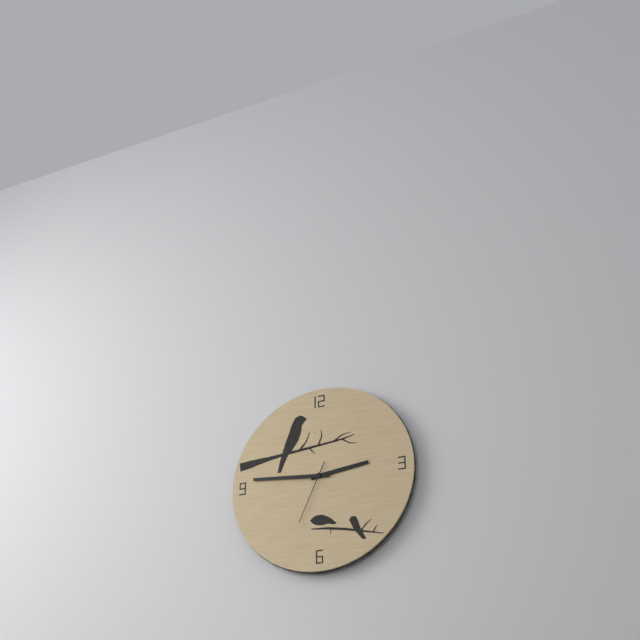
2:46:34
